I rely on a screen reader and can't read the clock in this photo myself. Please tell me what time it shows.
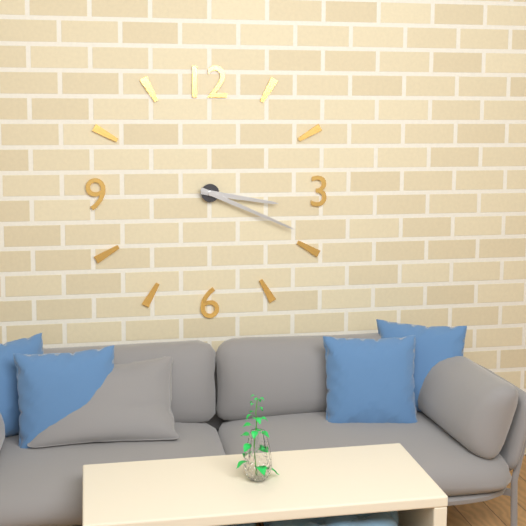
3:19
